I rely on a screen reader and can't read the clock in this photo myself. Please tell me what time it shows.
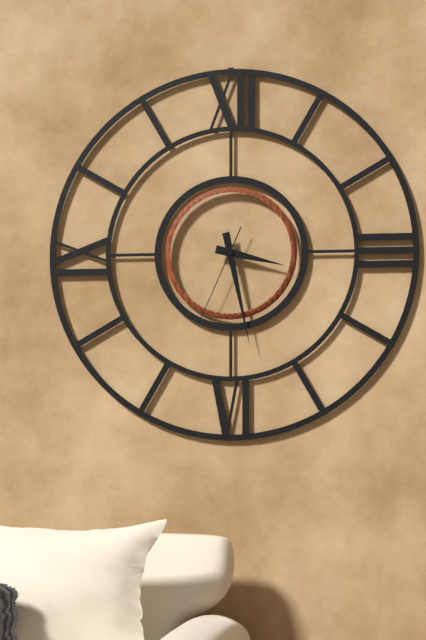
3:28:34
